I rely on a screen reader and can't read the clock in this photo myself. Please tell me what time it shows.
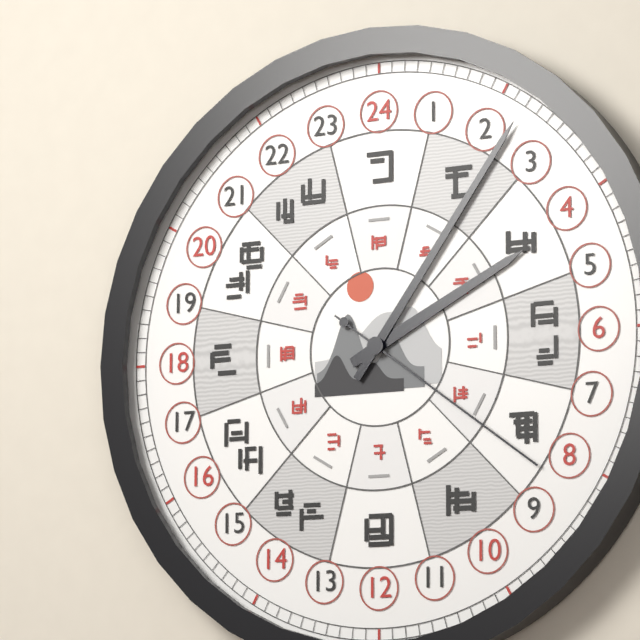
2:06:21
